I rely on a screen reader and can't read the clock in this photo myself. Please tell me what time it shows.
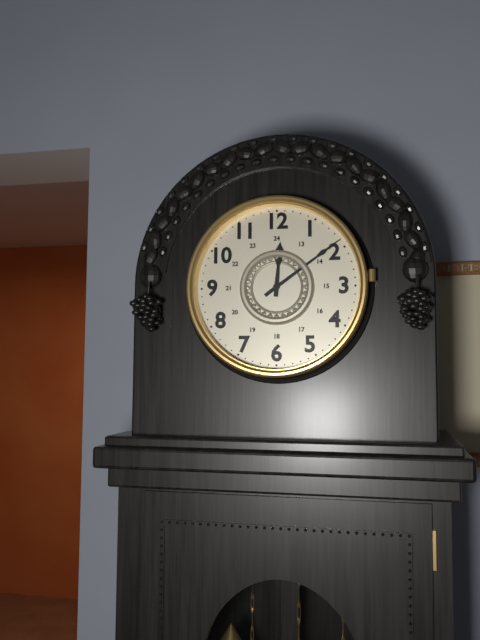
12:09
